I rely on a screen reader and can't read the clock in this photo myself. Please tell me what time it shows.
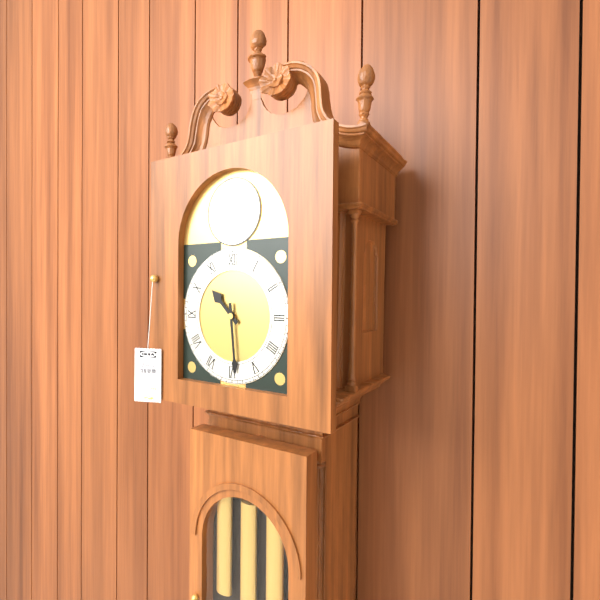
10:29
